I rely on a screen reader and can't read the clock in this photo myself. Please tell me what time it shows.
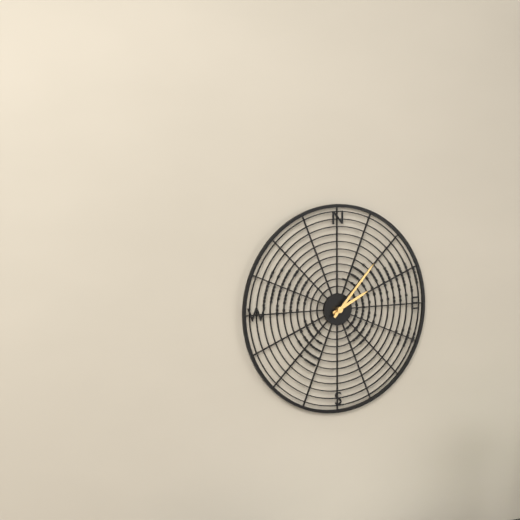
2:07
